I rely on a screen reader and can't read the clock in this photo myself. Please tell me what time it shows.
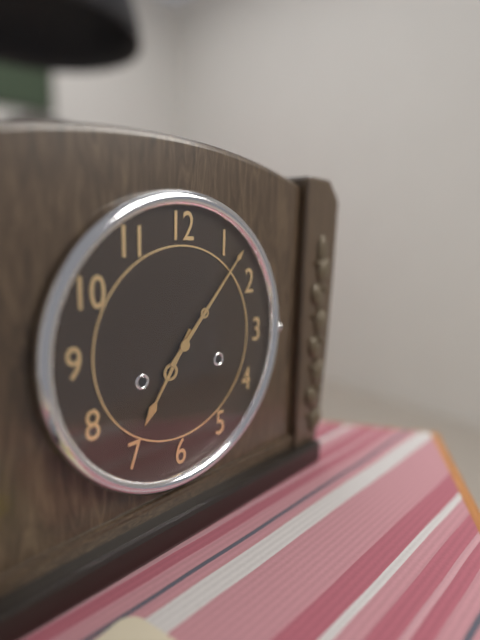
7:07
